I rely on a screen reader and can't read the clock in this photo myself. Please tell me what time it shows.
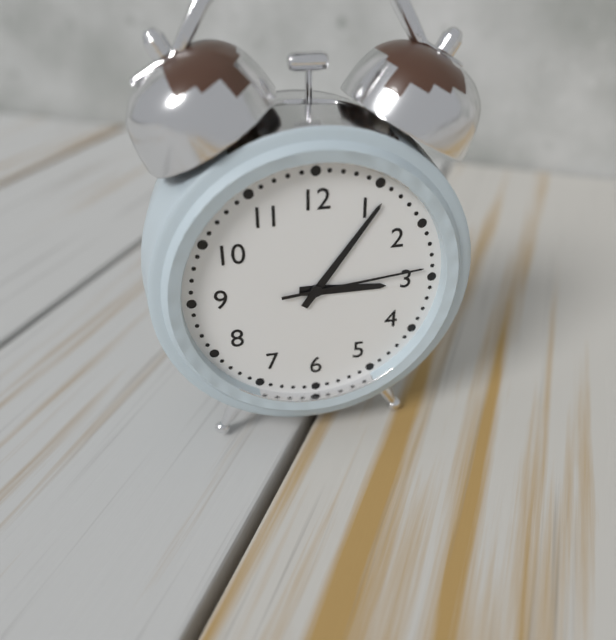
3:06:14
